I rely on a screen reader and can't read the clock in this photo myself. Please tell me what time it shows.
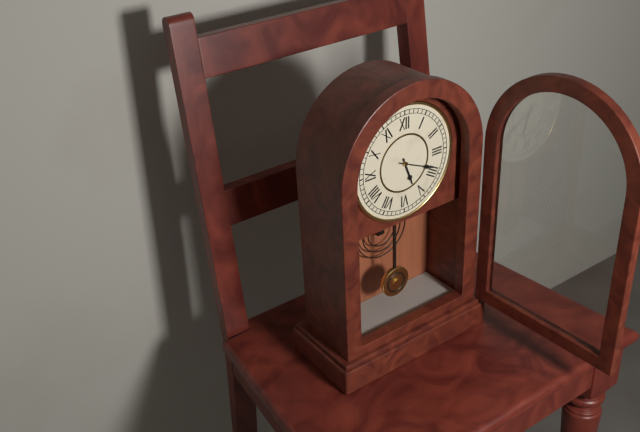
5:19
